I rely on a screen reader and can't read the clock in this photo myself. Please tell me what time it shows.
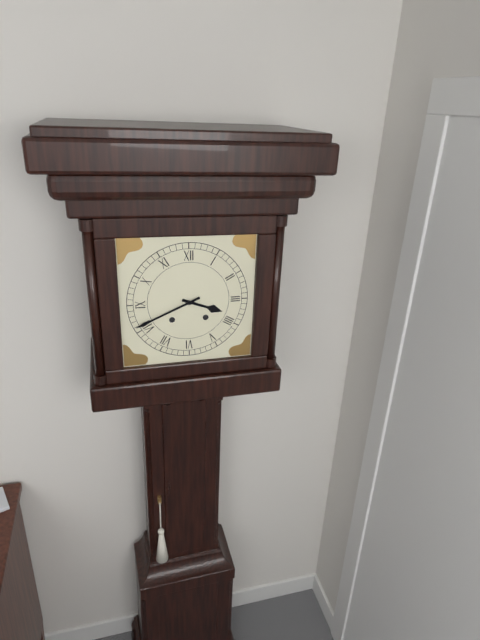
3:41
